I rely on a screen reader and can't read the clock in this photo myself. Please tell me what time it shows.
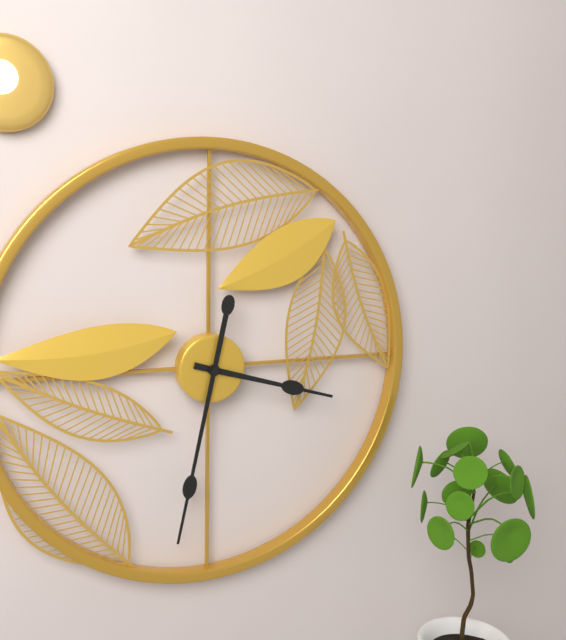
3:32
